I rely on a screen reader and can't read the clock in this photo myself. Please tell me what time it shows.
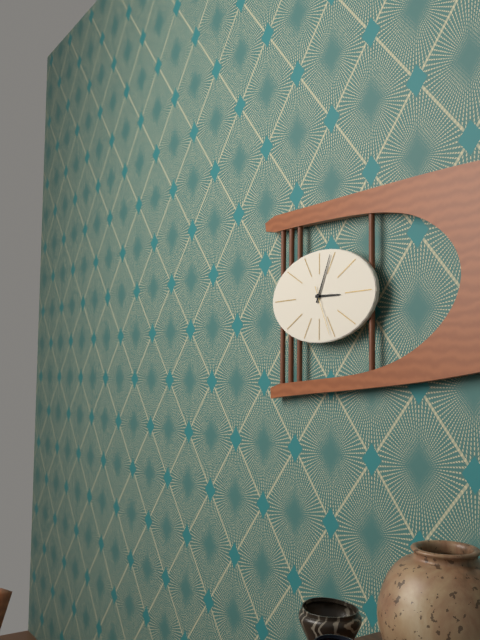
3:04:26
